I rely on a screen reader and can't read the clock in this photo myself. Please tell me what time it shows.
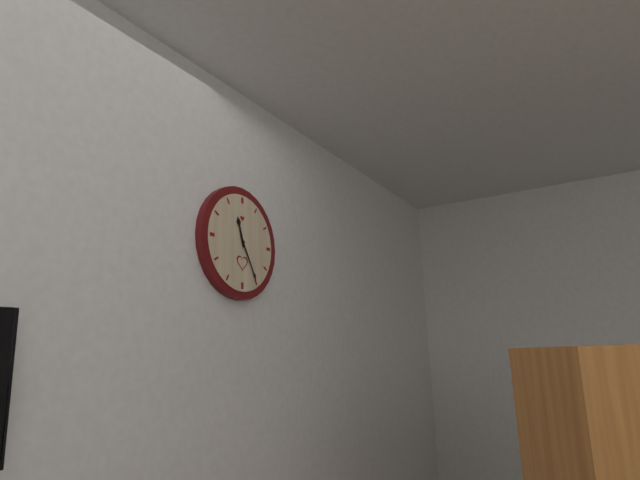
11:25
